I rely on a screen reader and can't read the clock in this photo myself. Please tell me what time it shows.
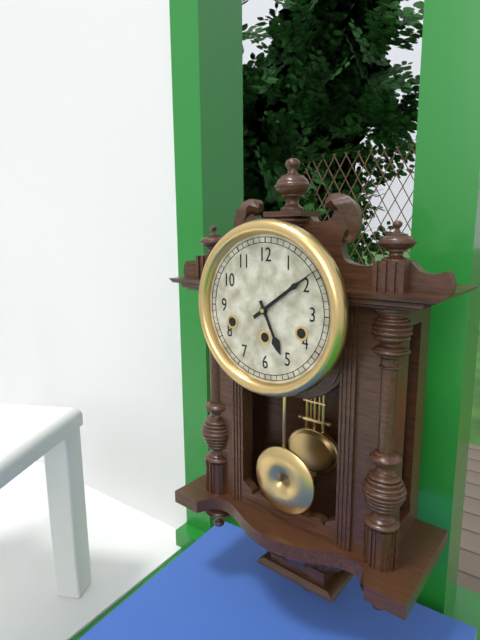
5:09
